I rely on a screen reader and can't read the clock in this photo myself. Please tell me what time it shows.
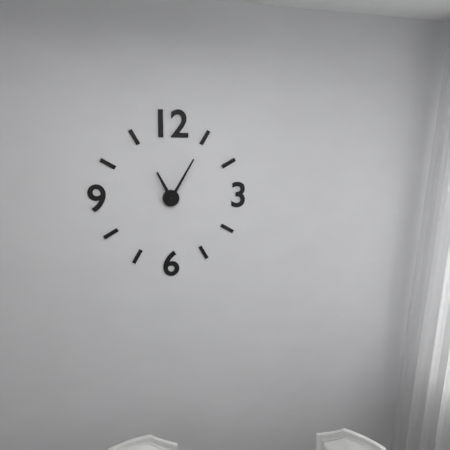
11:05
